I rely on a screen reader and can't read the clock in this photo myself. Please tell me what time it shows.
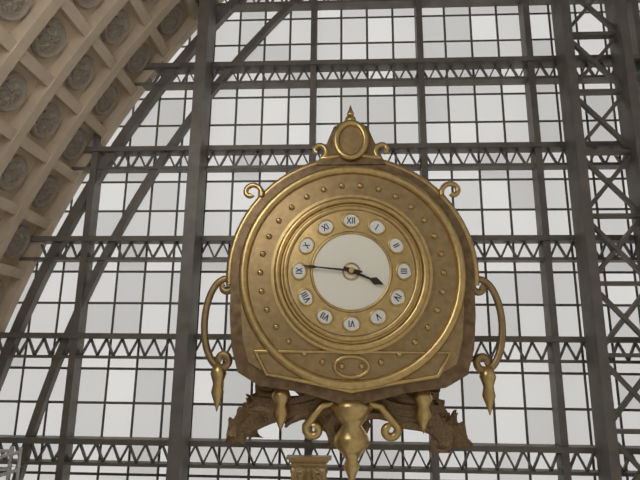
3:46
